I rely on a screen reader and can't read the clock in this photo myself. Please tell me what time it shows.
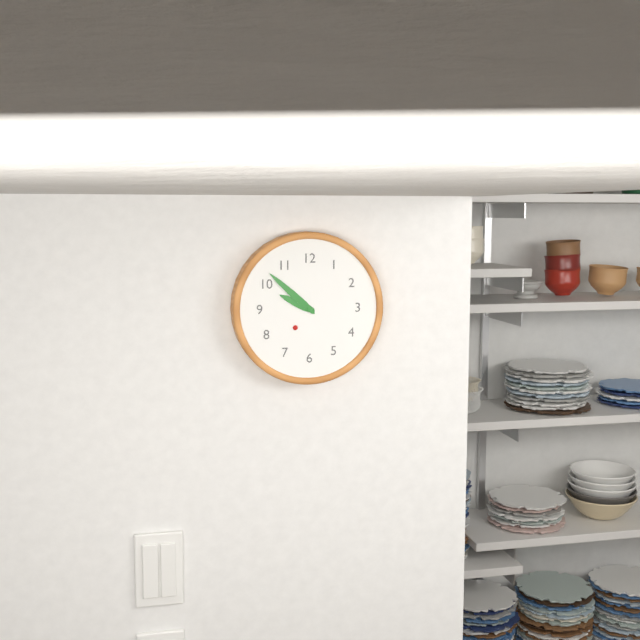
9:52
